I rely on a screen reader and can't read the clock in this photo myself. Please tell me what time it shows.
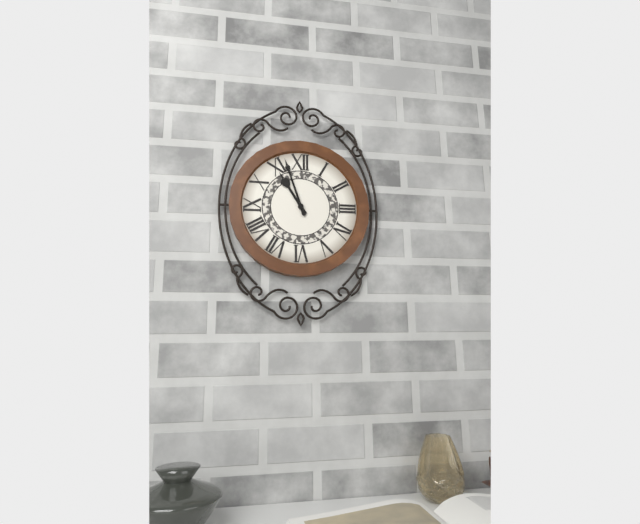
10:57
